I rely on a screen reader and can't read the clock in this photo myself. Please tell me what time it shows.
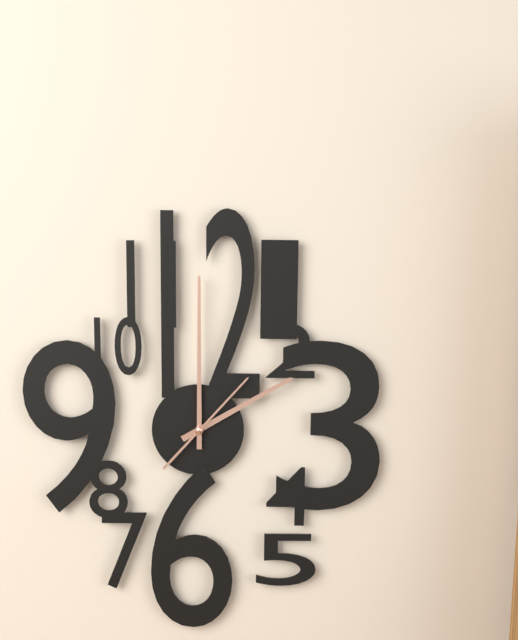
2:00:07
